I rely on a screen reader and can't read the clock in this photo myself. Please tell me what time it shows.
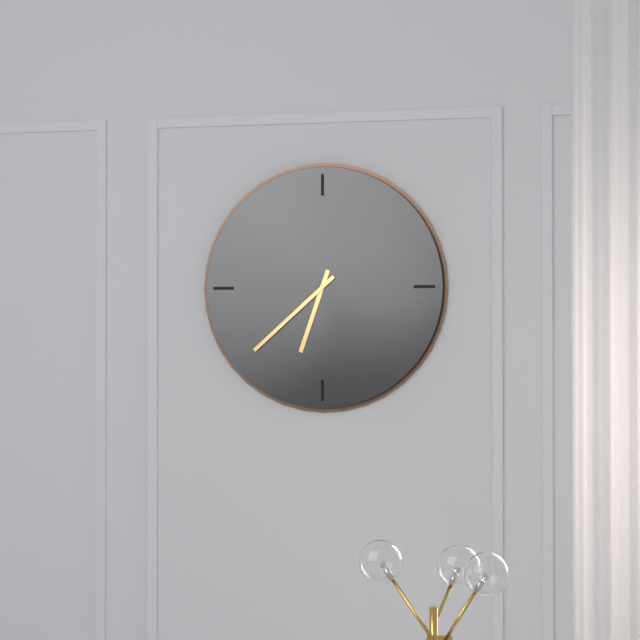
6:38
